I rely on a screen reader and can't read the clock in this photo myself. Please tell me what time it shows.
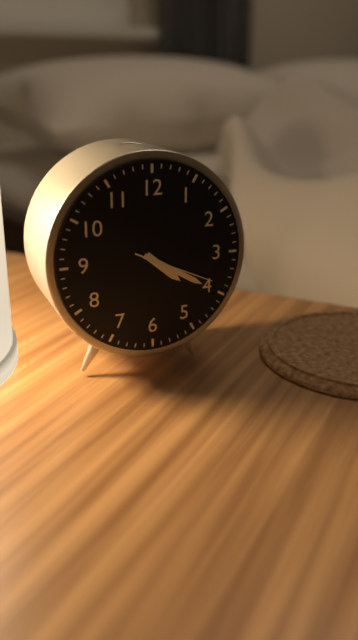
4:20:19
